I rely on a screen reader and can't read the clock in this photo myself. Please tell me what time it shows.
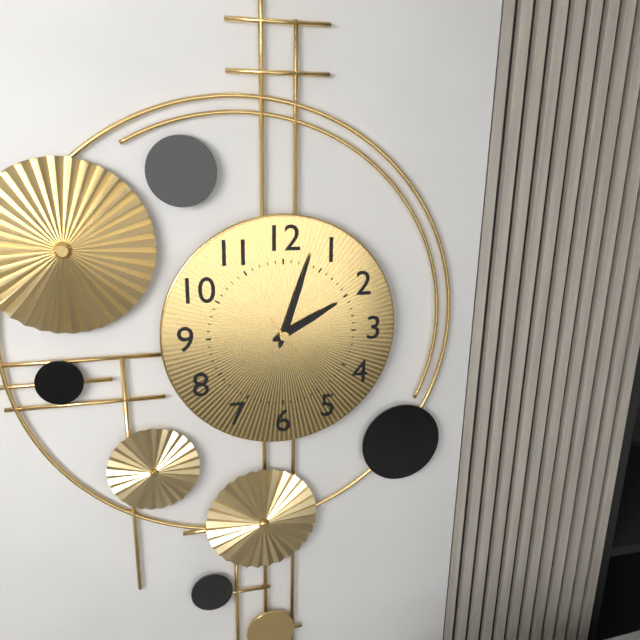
2:03:24
